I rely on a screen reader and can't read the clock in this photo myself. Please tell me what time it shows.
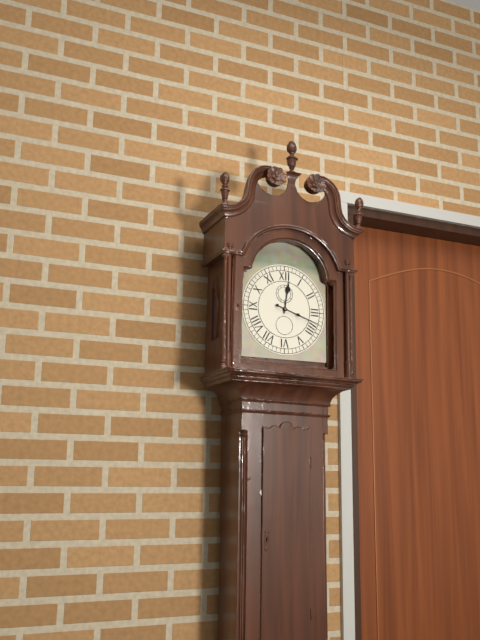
12:18
